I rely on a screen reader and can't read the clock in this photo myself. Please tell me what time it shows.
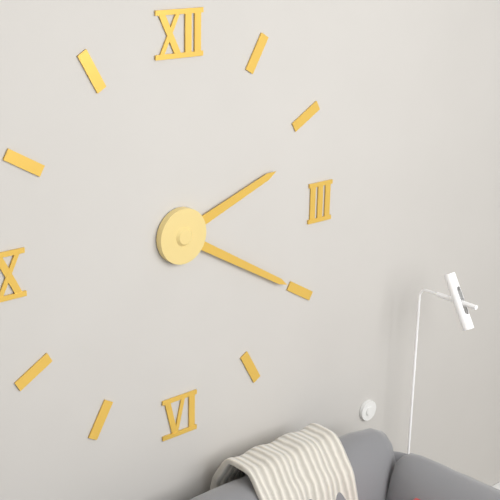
2:20
